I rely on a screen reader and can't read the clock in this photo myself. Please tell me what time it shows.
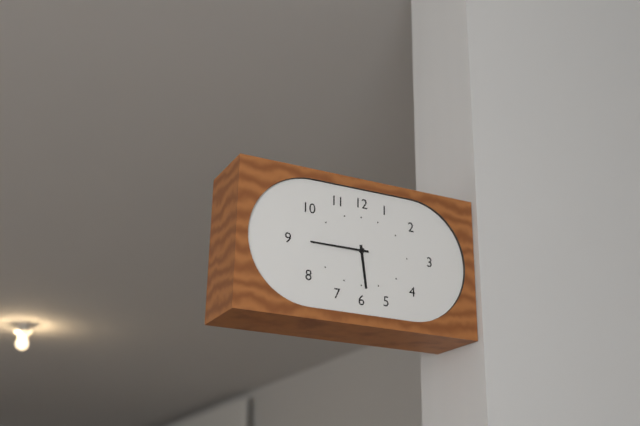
5:45
